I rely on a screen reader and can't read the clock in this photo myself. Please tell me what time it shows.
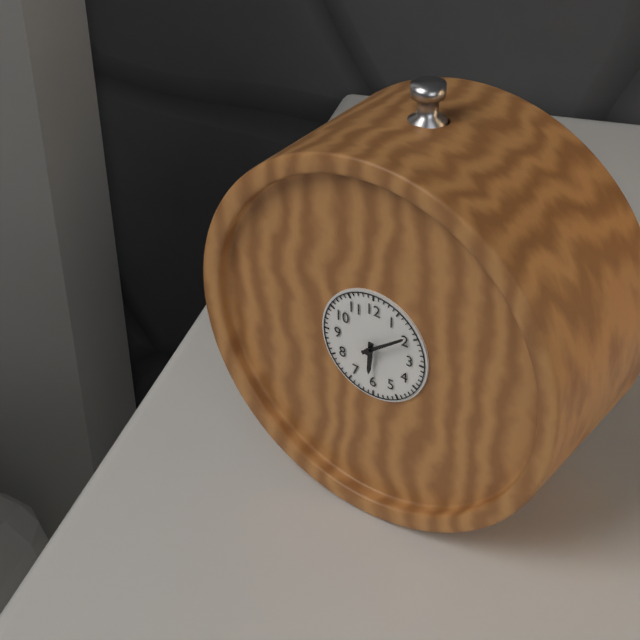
6:09
